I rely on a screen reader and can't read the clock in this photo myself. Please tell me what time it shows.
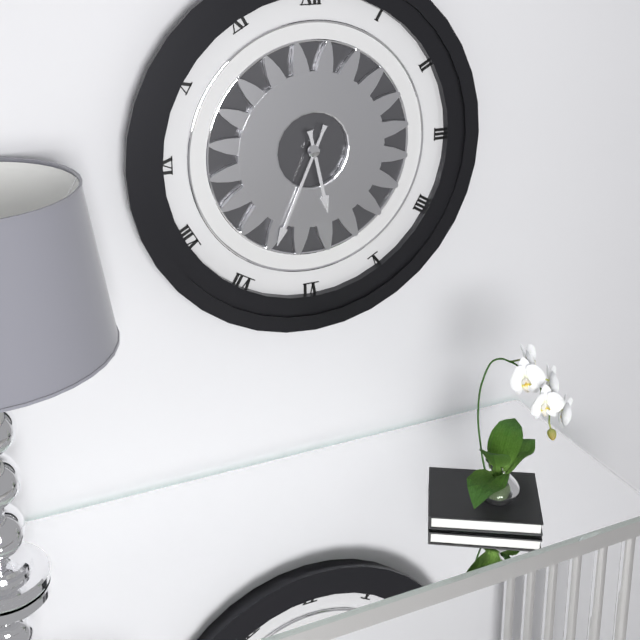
5:34
